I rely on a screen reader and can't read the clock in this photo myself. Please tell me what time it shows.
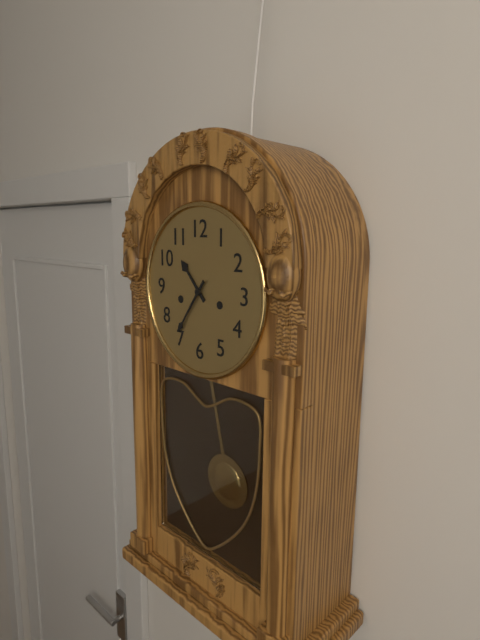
10:36
